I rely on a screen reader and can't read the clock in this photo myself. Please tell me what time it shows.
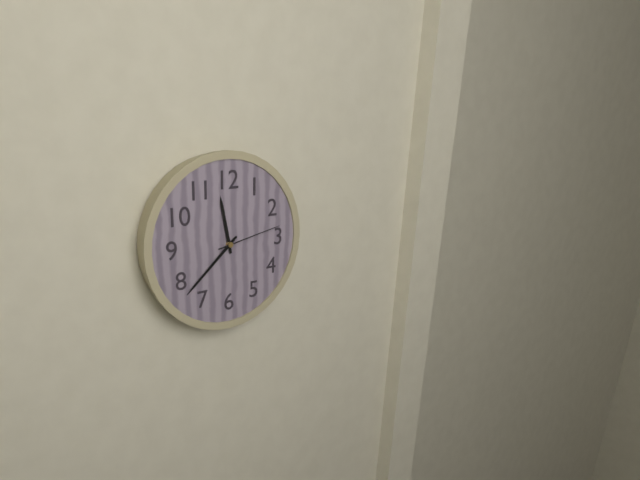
11:38:13
